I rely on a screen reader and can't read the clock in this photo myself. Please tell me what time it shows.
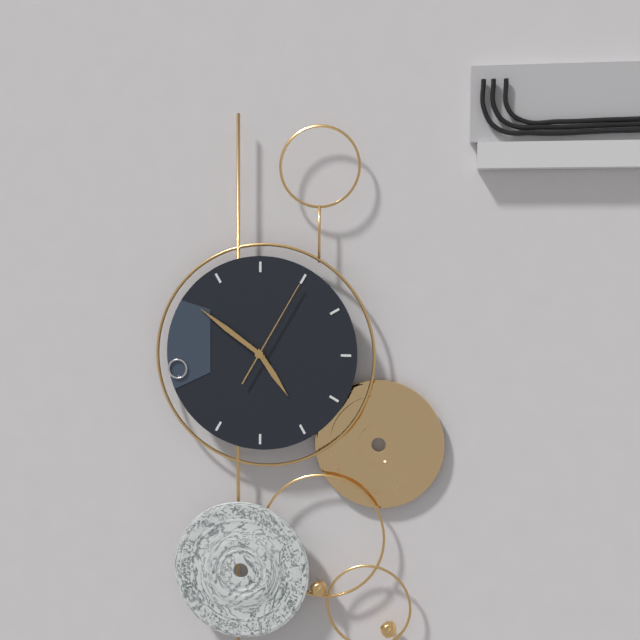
4:51:05
